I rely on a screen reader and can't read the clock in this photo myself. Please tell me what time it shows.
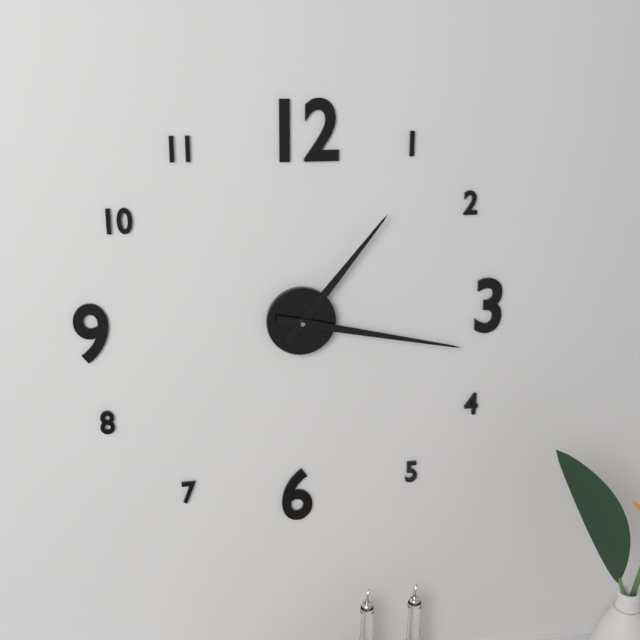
1:17
